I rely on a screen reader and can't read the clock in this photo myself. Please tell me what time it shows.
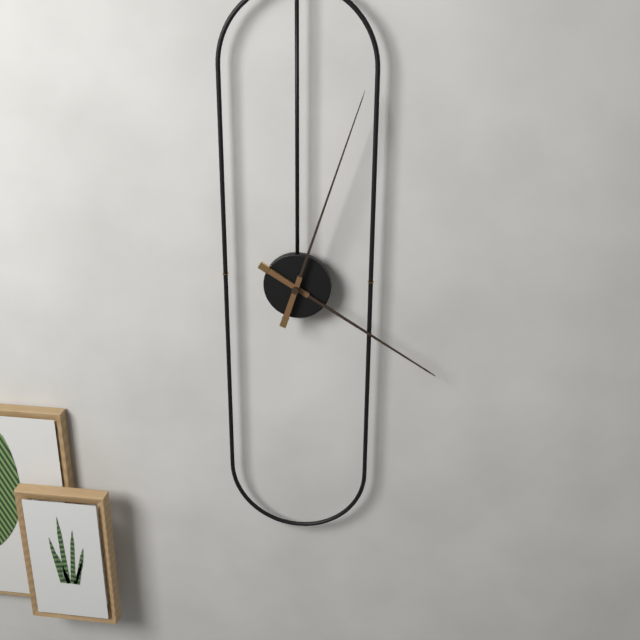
4:03
